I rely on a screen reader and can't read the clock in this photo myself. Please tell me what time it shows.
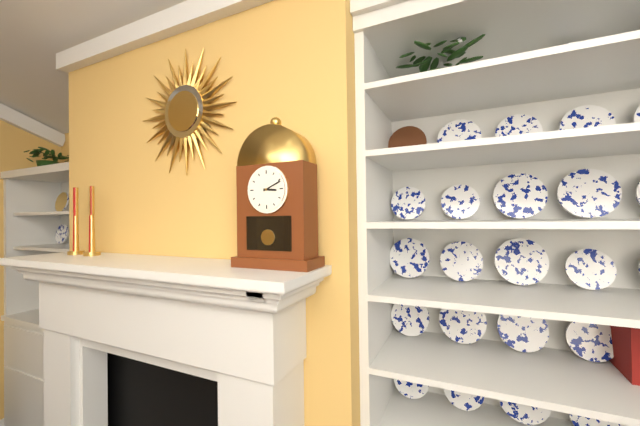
3:11
